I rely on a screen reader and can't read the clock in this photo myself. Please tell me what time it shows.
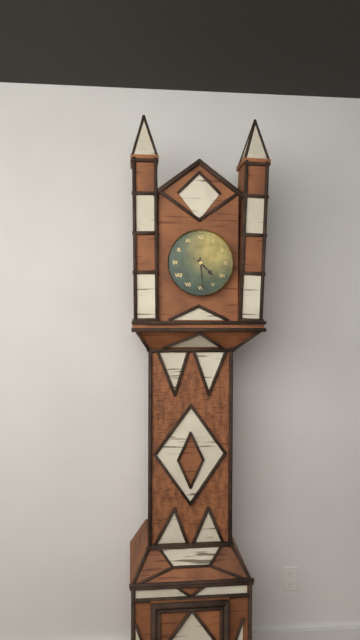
4:29
